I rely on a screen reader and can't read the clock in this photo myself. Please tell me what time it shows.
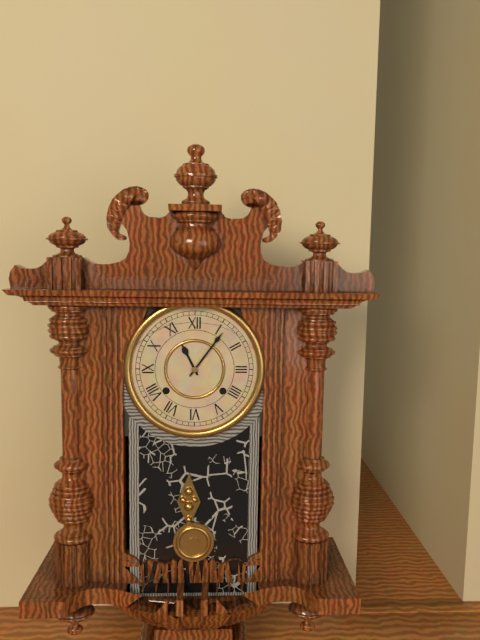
11:06
